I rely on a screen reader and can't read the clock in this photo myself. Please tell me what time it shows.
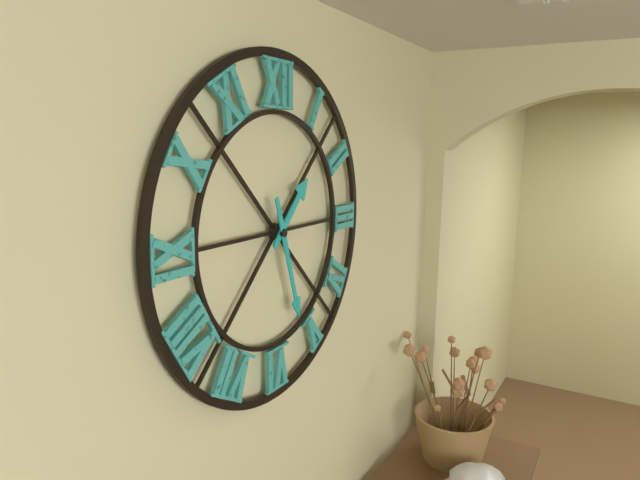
1:27
